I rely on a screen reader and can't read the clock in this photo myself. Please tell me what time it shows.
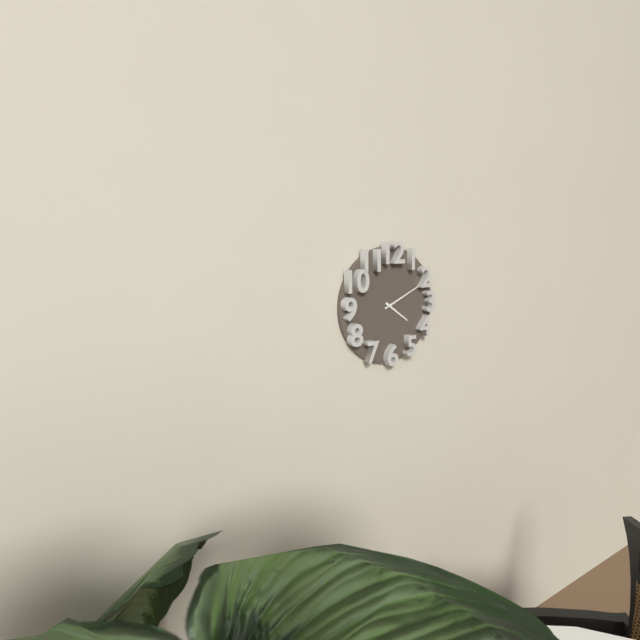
4:11
